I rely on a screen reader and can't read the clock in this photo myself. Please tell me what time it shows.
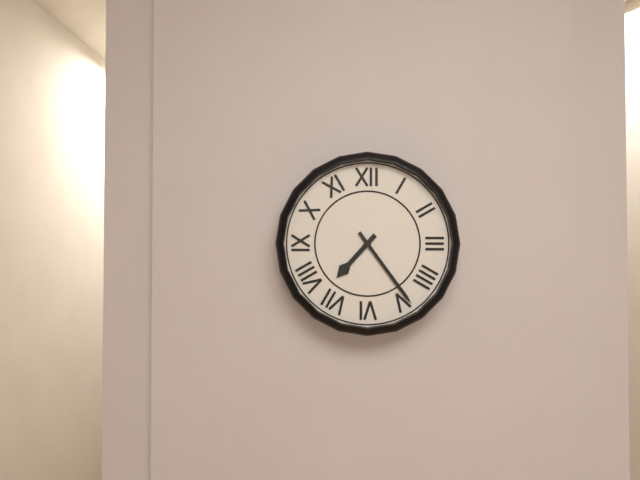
7:24
